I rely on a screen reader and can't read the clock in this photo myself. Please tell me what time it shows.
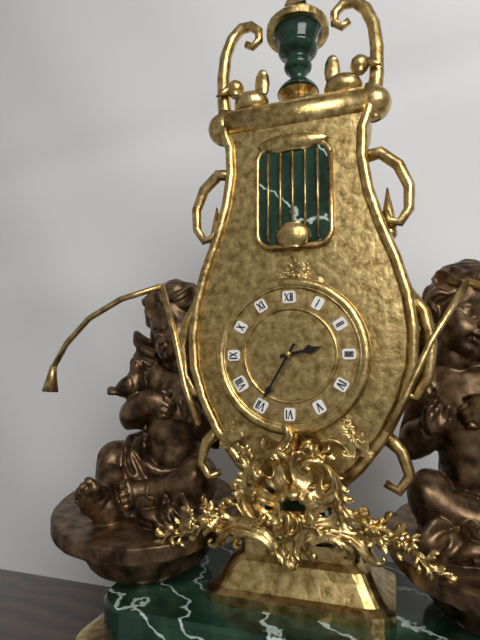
2:35
